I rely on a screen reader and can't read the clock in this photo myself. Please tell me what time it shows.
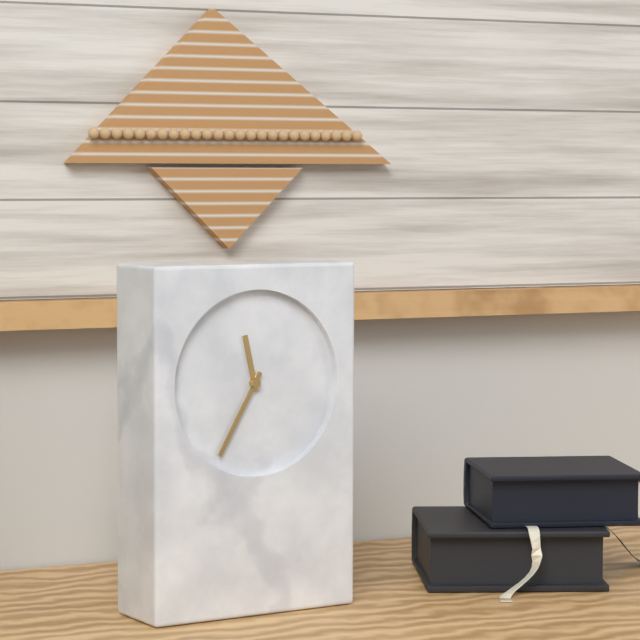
11:35
